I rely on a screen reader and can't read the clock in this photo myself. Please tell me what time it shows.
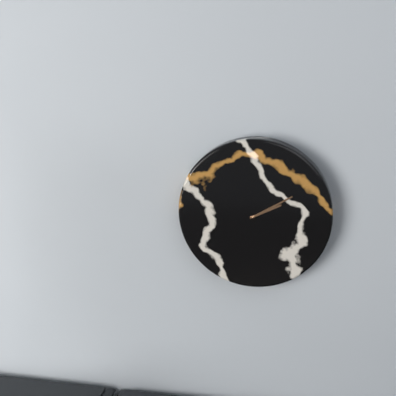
2:10
